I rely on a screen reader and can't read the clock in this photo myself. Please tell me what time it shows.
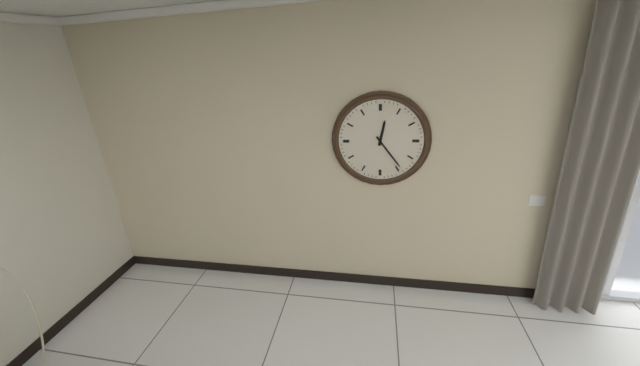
12:24
